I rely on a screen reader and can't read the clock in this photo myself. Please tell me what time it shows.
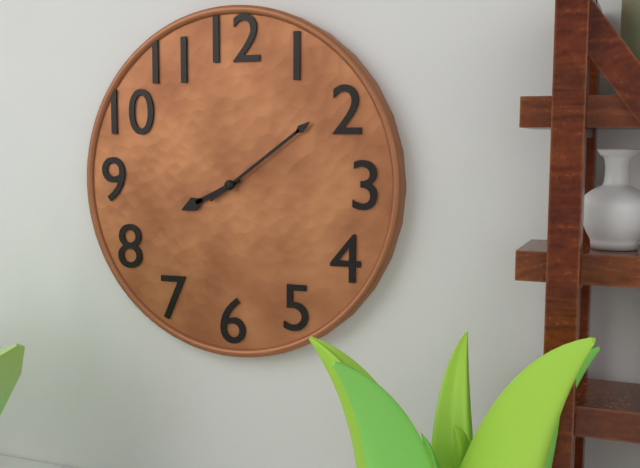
8:09
